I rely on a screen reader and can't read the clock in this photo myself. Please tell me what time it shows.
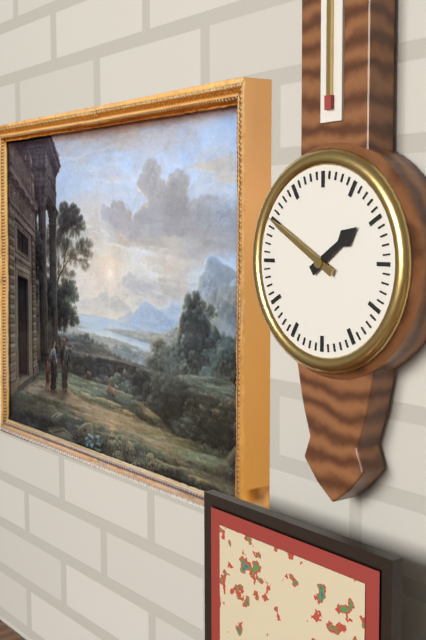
1:50
